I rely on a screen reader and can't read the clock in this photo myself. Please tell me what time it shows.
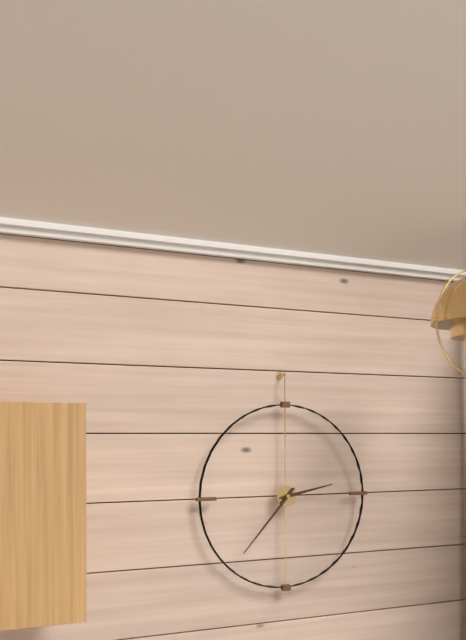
2:37
